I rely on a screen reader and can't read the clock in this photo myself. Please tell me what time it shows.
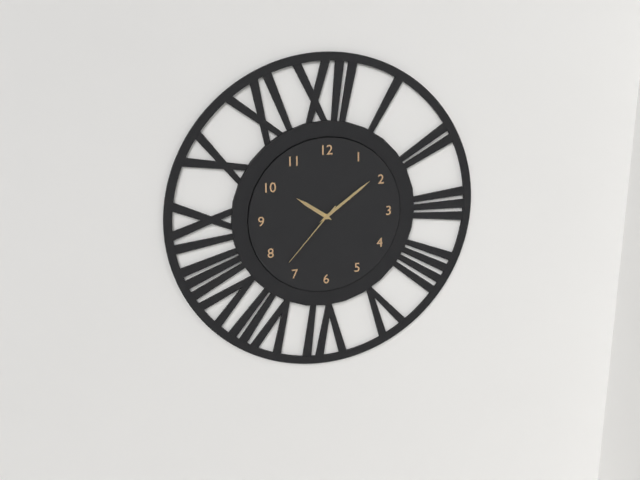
10:09:37
